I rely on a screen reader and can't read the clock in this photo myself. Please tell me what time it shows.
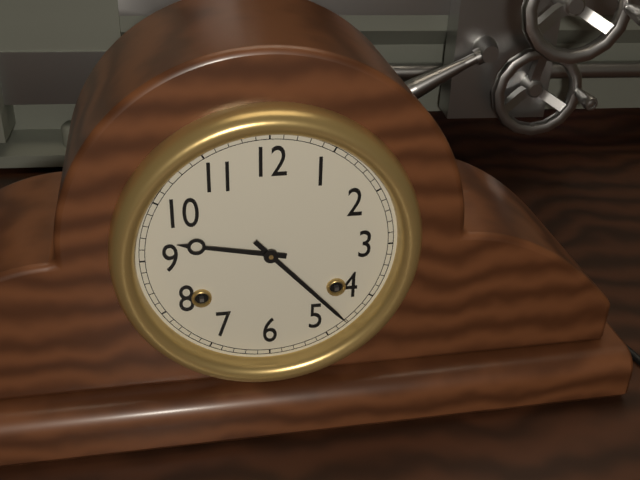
9:23
